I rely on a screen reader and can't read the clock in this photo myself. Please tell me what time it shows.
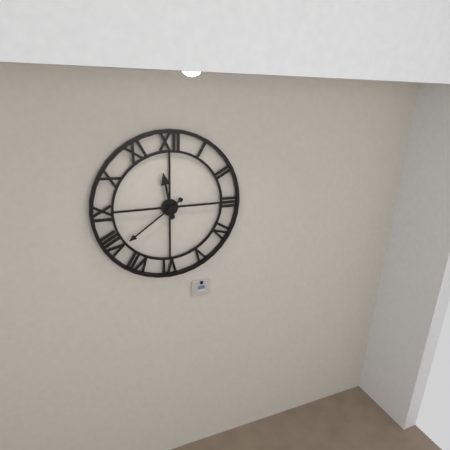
11:39
